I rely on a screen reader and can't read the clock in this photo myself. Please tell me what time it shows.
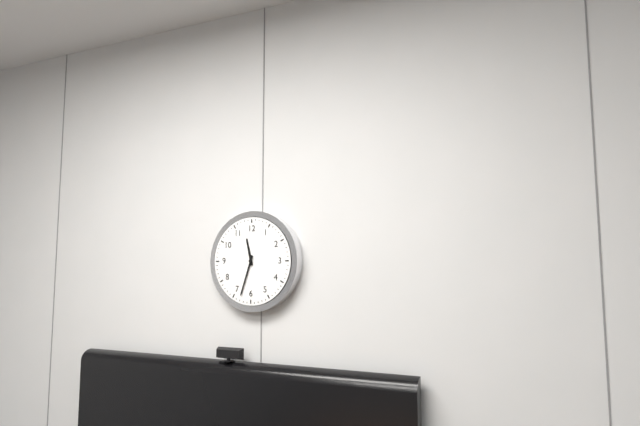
11:33
